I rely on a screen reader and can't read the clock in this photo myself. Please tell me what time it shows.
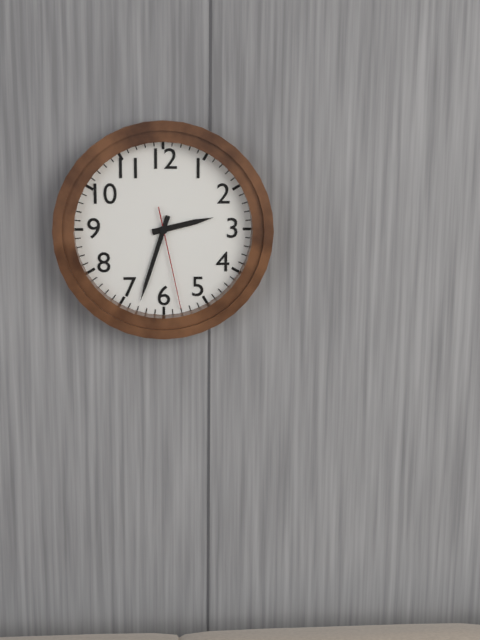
2:33:28
